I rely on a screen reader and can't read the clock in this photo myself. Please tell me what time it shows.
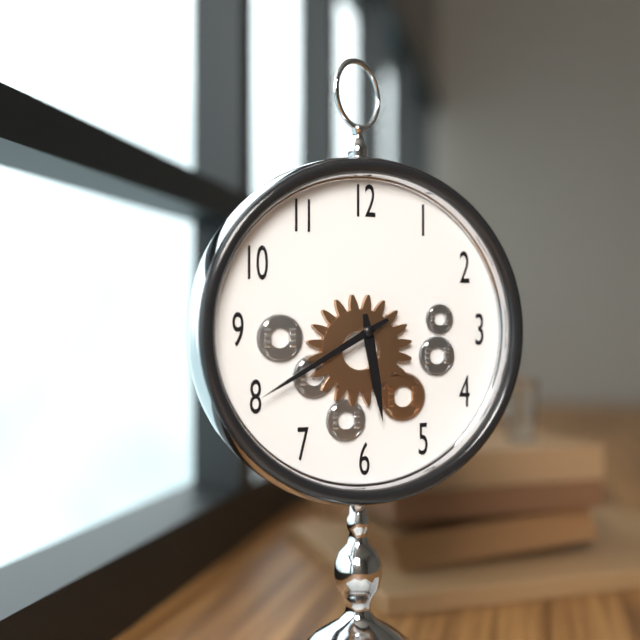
5:40
